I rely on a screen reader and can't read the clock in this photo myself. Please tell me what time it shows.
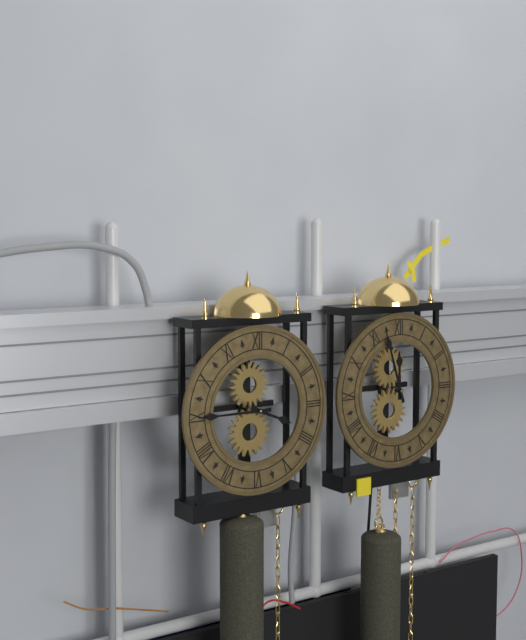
3:45
